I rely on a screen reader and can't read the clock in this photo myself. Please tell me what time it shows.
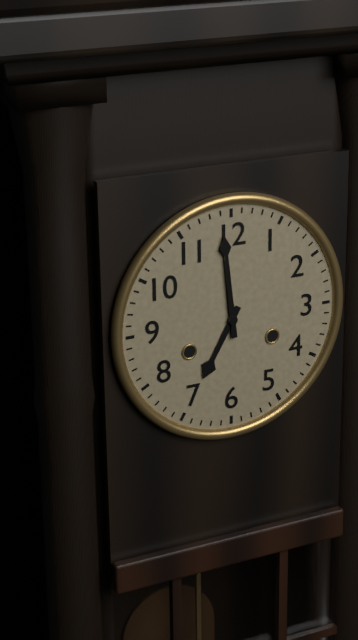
6:59
